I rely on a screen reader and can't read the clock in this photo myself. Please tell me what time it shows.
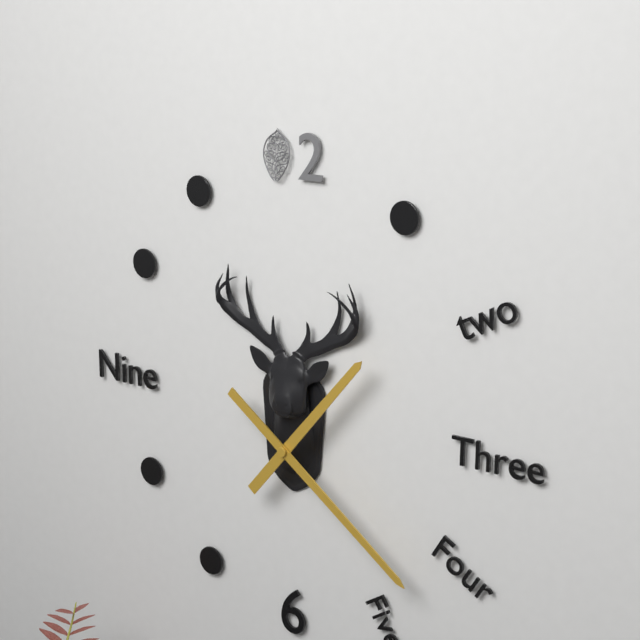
1:21
